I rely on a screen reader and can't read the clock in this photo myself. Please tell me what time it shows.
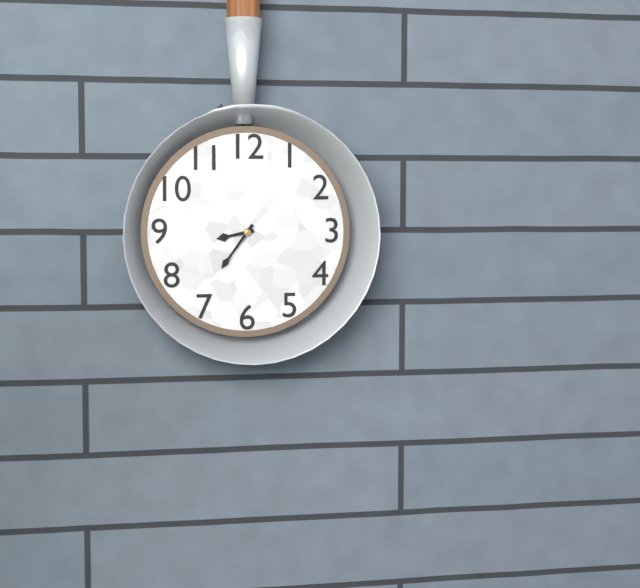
8:36
